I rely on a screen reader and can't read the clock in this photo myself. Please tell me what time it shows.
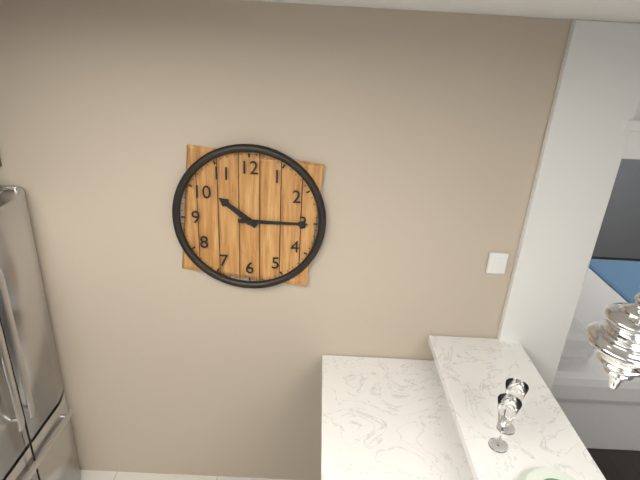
10:15
